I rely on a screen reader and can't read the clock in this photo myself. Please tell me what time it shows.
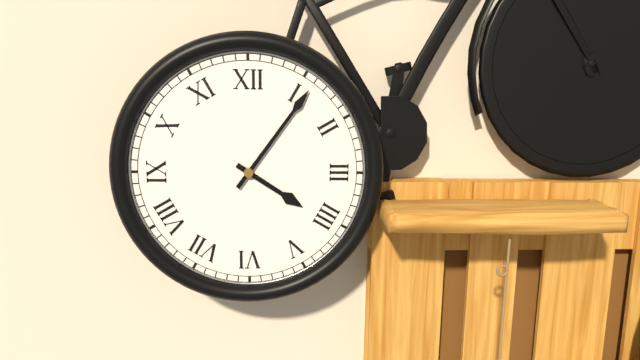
4:06
